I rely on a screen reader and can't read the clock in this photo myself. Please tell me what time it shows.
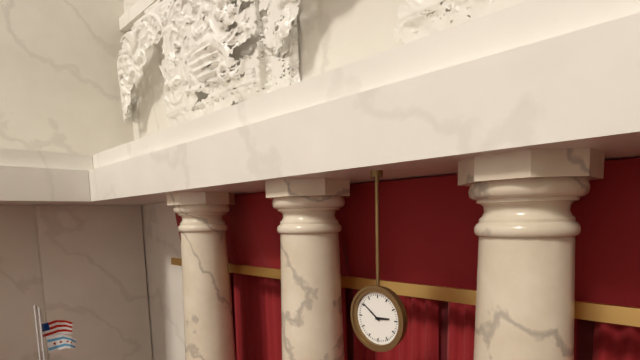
2:51
